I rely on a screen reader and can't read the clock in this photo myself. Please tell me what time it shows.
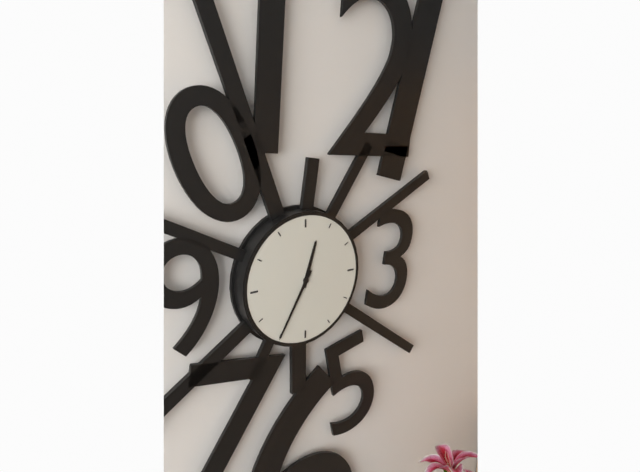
12:35
